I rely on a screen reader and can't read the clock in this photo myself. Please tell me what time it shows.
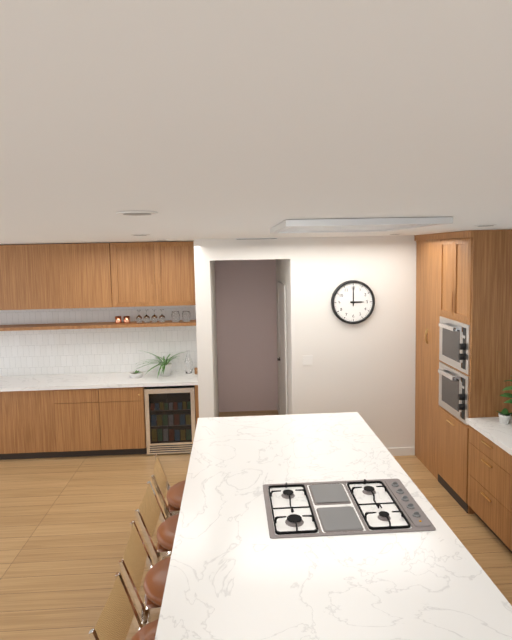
3:00
